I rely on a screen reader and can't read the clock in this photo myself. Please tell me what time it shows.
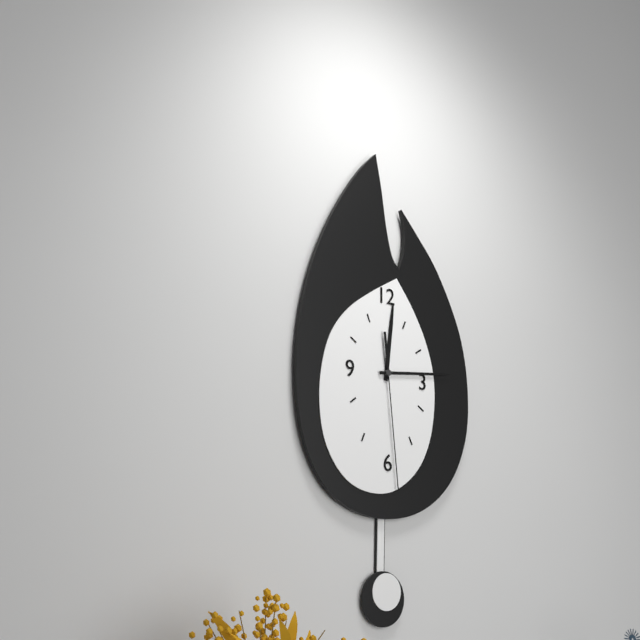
12:14:29
